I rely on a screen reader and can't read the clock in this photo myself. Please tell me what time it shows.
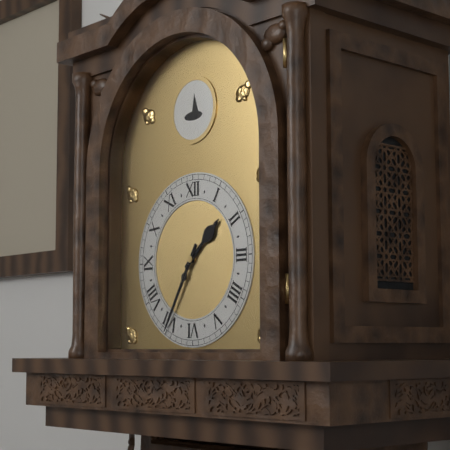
1:35
